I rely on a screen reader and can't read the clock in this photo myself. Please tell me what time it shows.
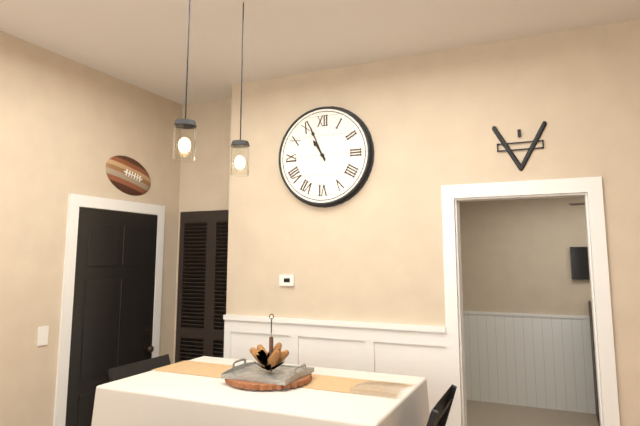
10:56
